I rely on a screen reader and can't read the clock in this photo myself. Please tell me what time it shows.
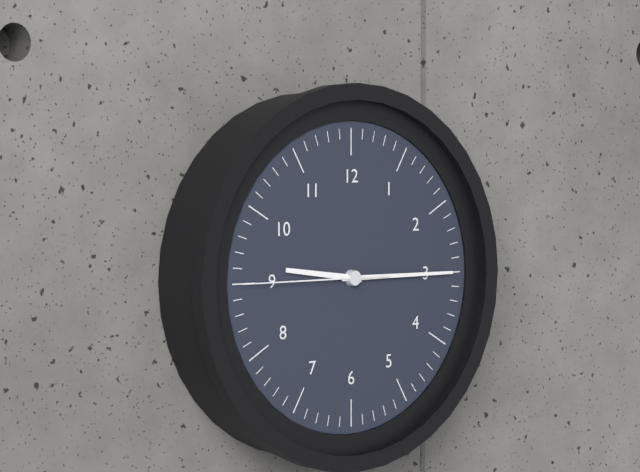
9:15:45
